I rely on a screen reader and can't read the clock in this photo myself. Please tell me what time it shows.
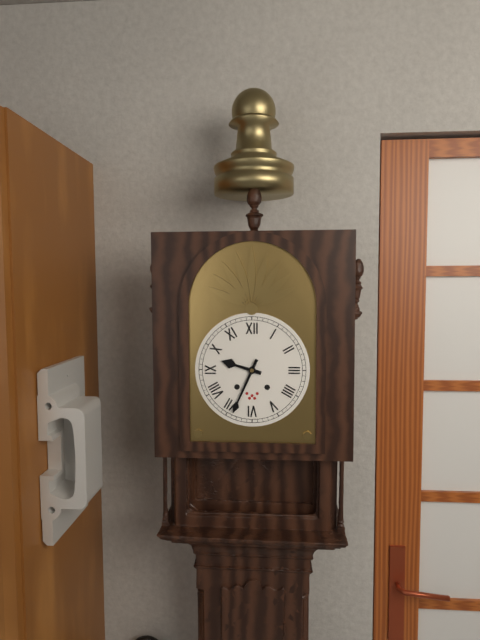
9:34
